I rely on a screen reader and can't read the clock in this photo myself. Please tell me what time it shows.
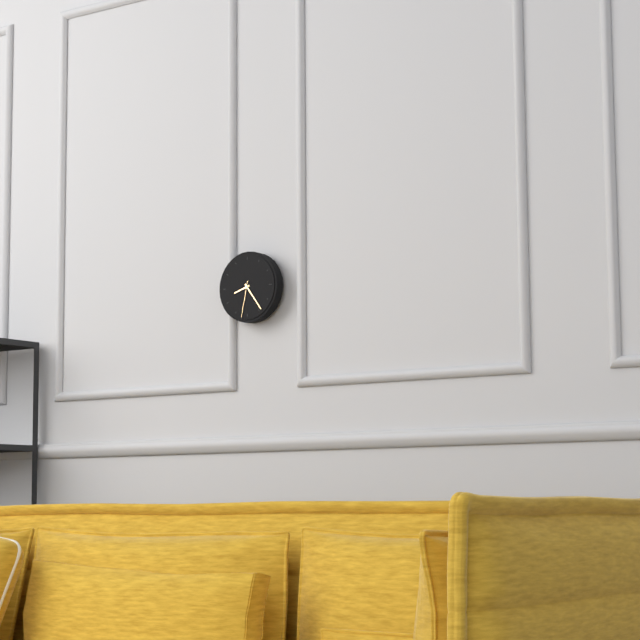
8:24
